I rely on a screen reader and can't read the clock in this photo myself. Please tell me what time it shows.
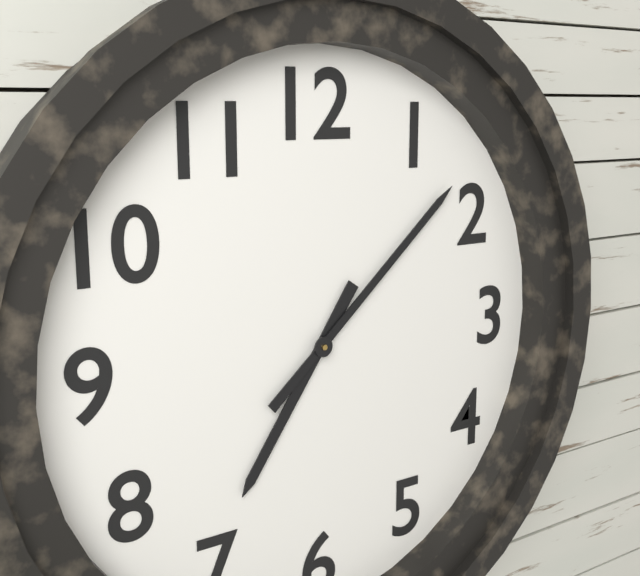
7:08
